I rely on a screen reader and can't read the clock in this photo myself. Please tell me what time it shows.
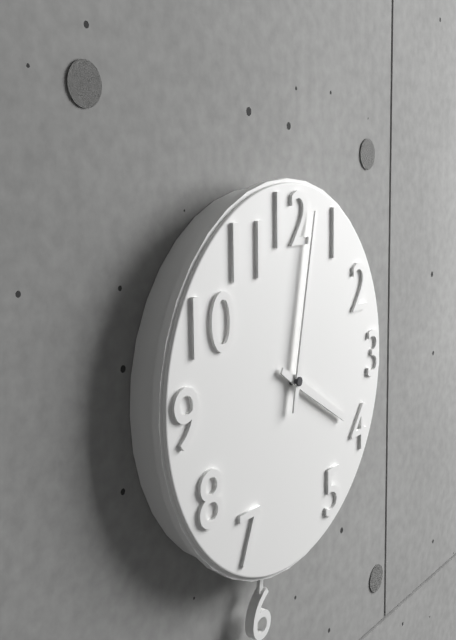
4:02
